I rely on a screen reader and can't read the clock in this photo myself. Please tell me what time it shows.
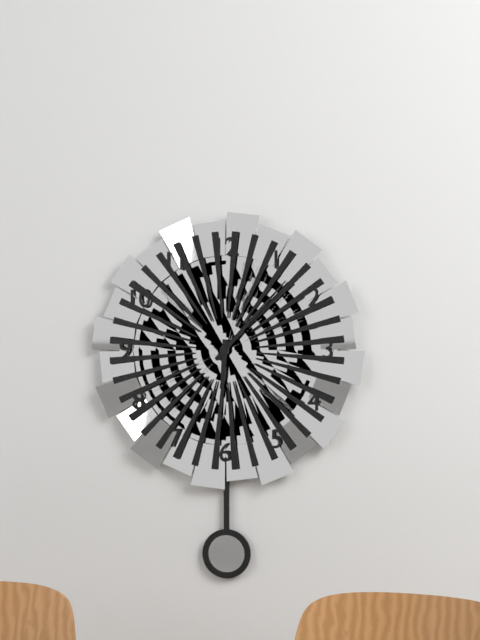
6:07
